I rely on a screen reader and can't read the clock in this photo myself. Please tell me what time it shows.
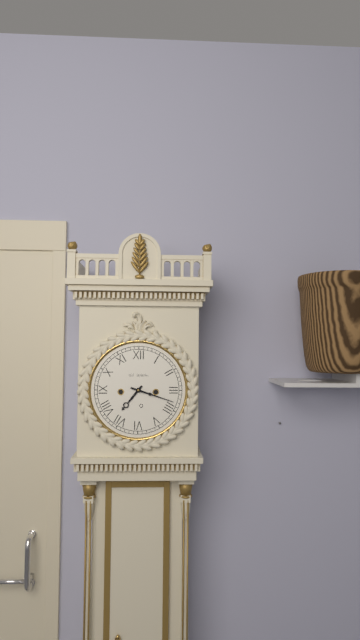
7:18
